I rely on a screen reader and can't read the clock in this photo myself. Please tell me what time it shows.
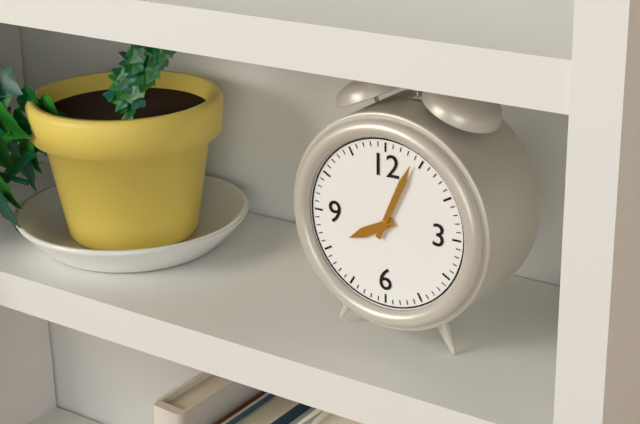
8:04
